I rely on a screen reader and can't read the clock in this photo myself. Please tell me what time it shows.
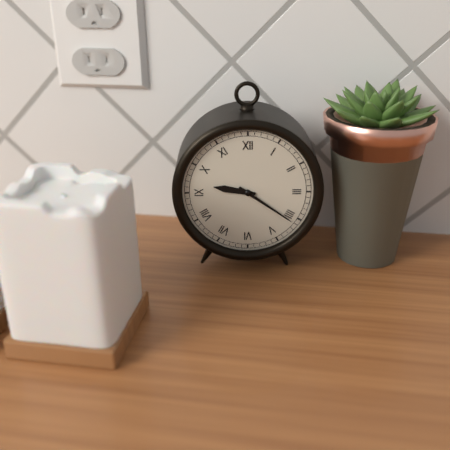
9:21
